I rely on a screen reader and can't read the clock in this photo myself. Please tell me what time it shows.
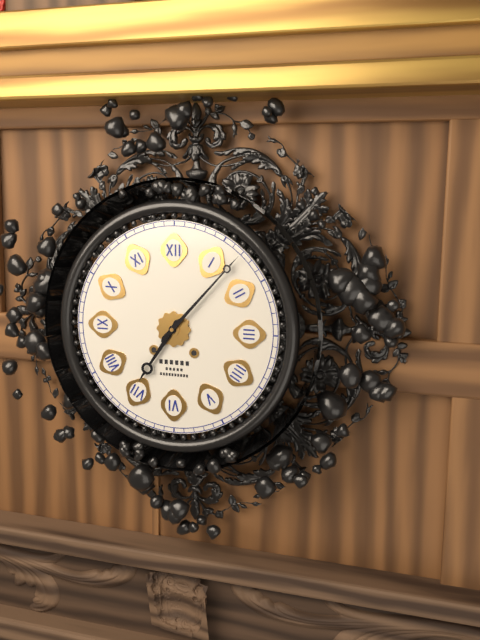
7:07
